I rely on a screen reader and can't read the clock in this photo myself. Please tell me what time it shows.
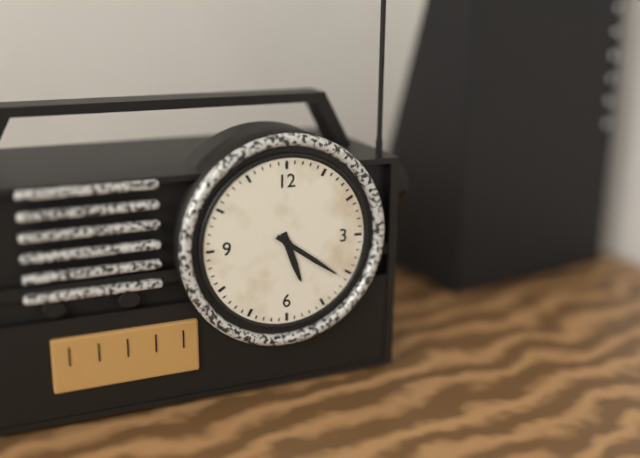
5:21
